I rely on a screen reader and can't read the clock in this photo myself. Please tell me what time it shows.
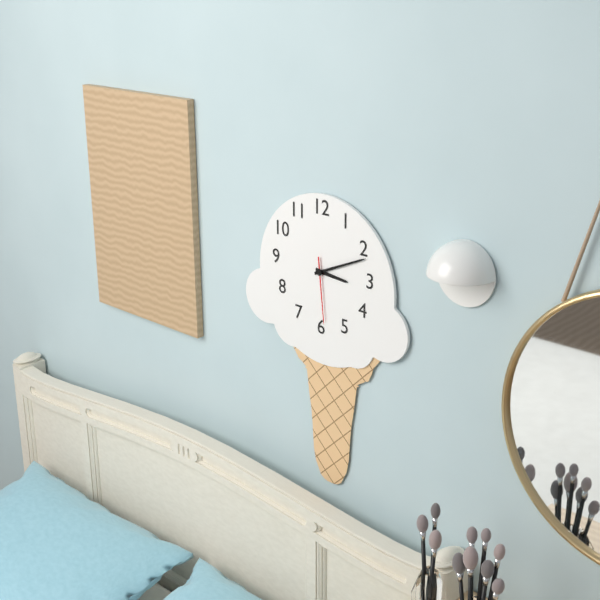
3:11:29
